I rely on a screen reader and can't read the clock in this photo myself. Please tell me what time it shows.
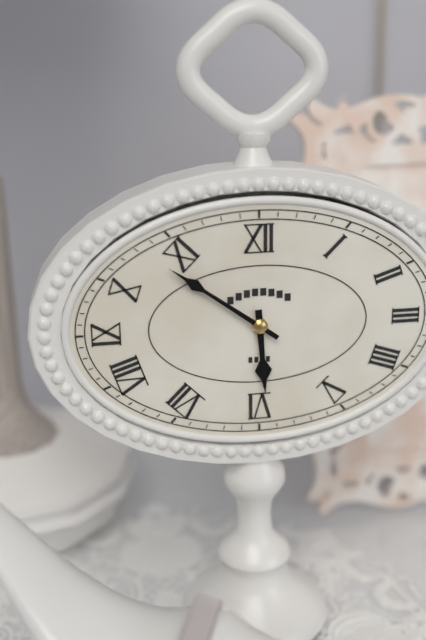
5:51
